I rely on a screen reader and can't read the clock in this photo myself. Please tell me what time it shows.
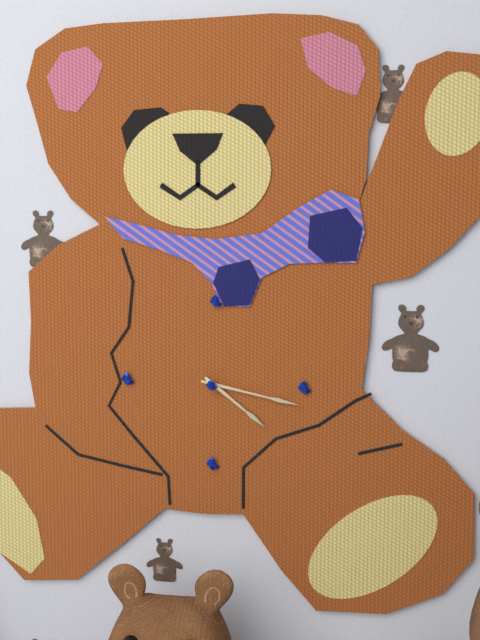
4:17
